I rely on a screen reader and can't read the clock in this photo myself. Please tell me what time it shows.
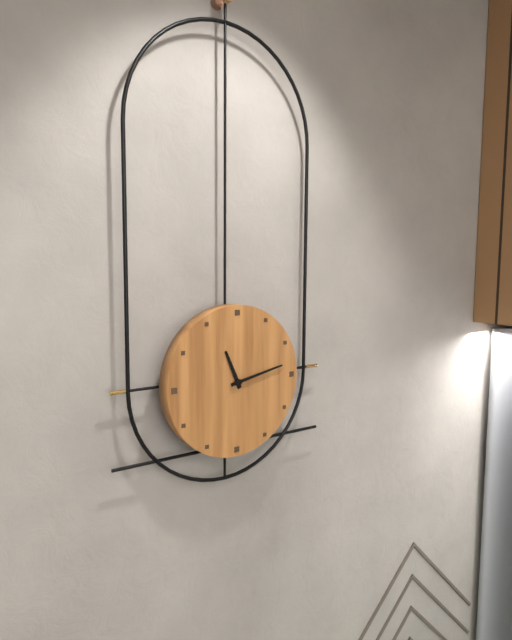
11:13
